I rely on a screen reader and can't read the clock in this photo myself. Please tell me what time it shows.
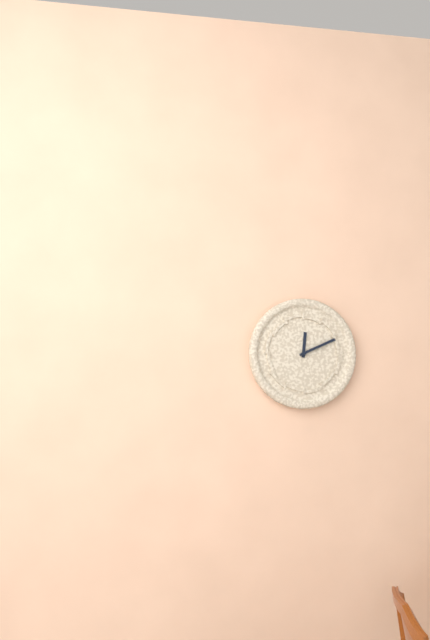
12:11
